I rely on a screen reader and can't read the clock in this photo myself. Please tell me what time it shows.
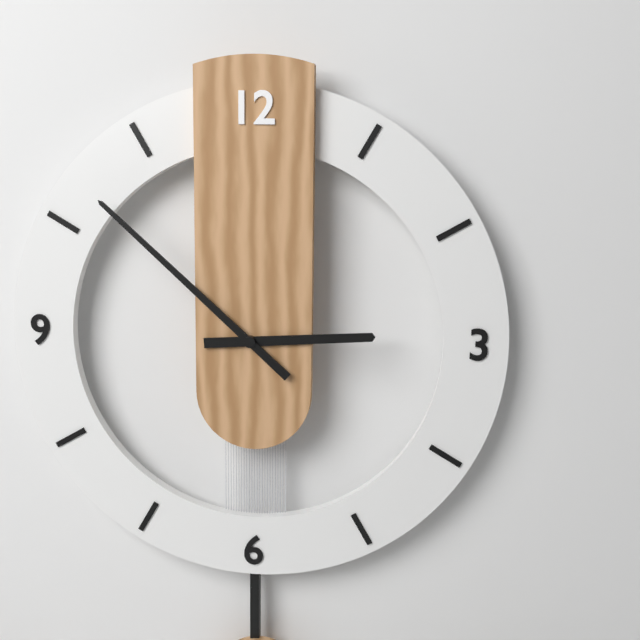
2:52
